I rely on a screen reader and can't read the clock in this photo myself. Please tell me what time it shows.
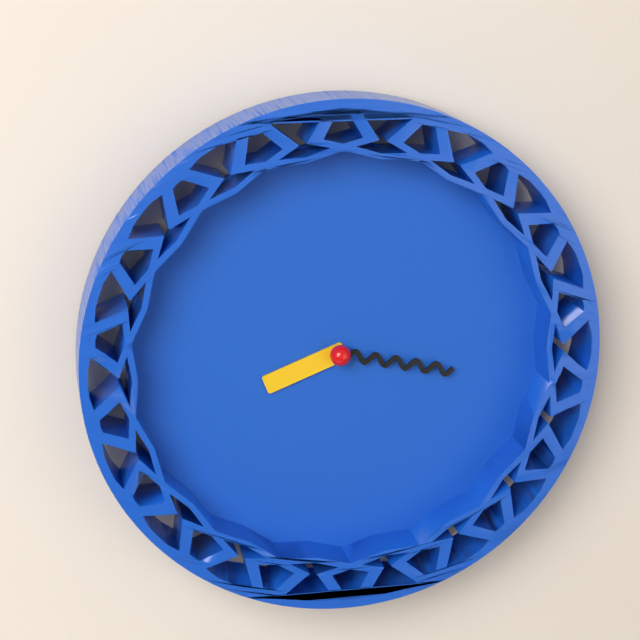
8:17
